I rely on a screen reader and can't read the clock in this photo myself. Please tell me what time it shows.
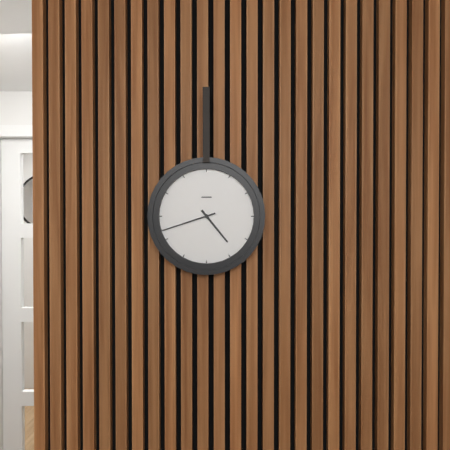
4:42
